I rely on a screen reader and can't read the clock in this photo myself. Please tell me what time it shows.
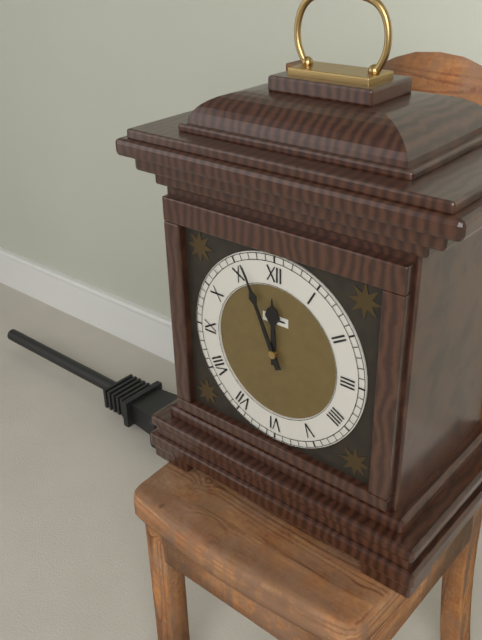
11:56
